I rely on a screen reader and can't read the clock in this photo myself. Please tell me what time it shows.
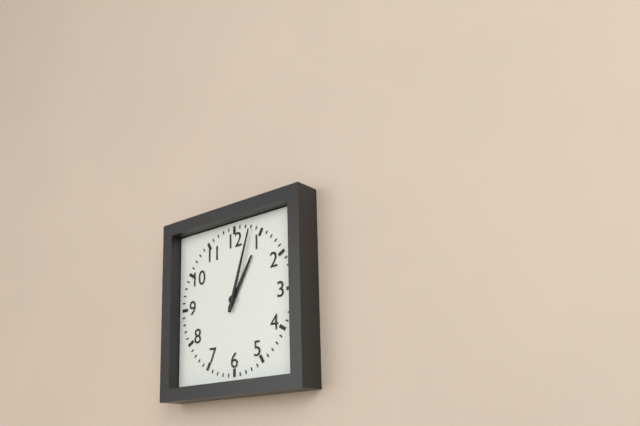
1:03
